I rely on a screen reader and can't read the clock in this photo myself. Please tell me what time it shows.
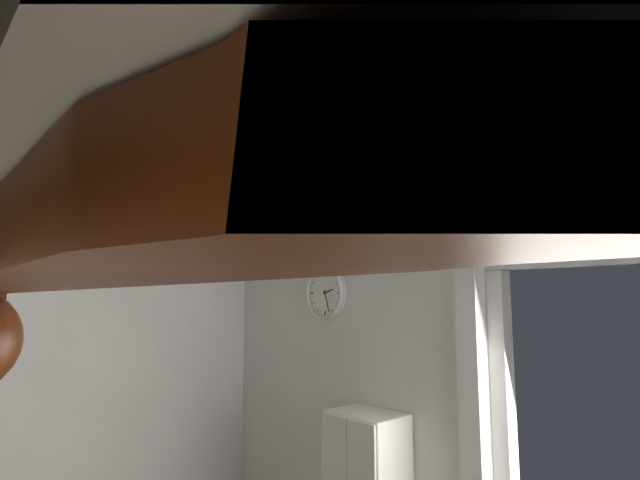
2:27
